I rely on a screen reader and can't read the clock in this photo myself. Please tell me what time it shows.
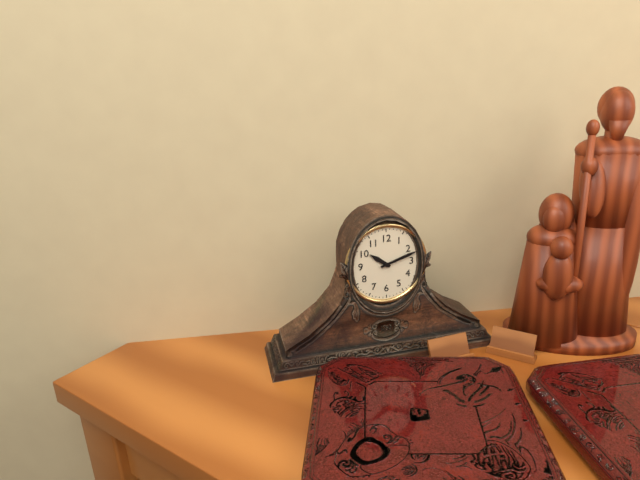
10:12
